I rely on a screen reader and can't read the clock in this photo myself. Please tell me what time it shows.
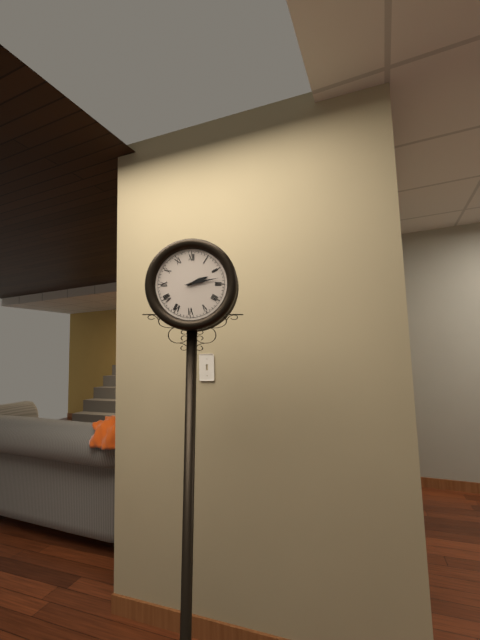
2:13
